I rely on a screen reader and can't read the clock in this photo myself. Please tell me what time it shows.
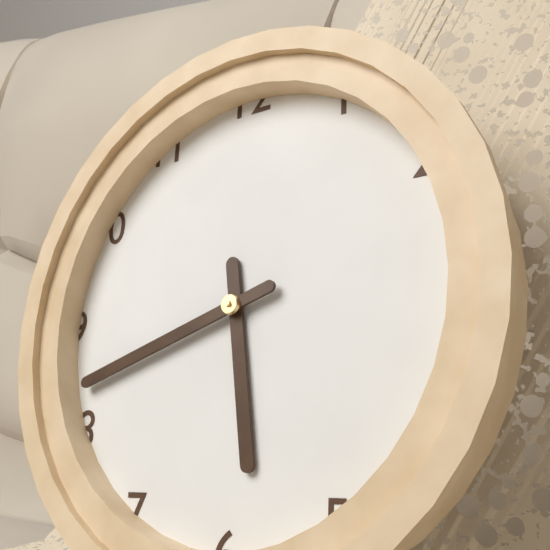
5:42
